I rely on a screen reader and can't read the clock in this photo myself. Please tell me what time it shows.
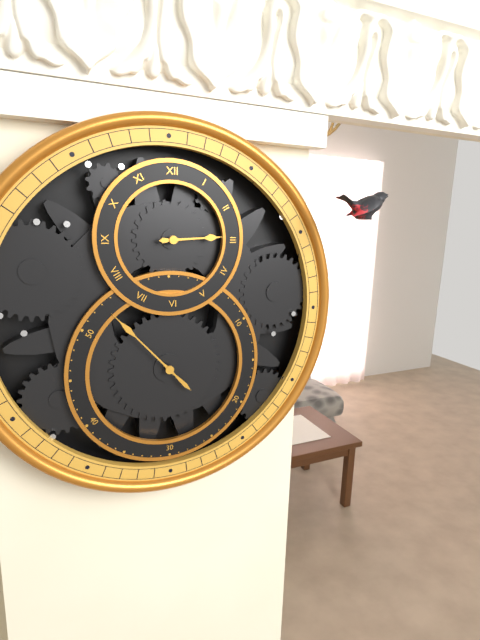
2:53
